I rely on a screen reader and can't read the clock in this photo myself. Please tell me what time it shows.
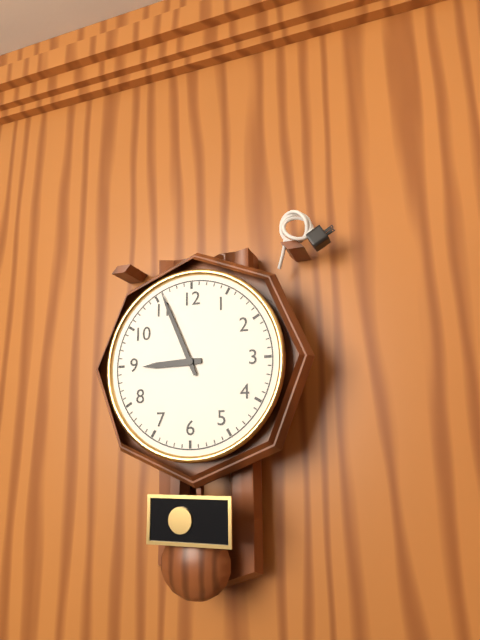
8:56
